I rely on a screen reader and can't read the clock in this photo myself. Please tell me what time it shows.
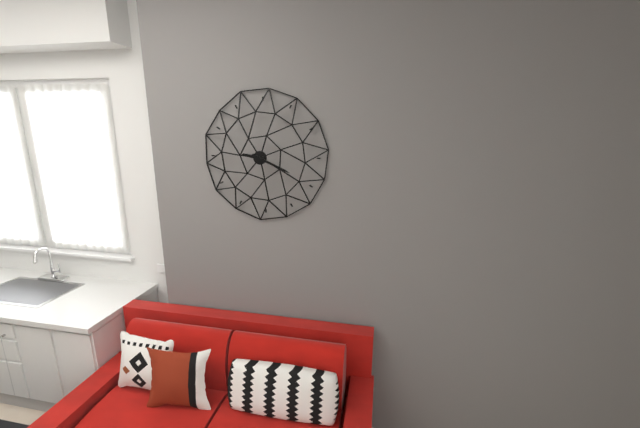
9:19
